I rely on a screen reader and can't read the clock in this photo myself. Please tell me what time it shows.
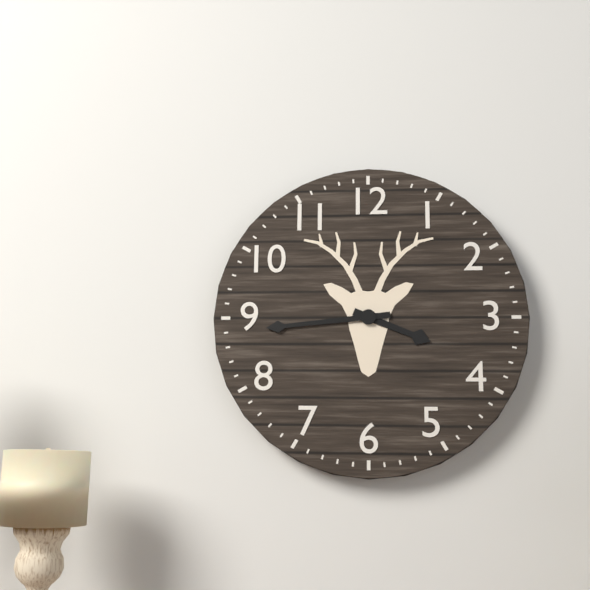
3:44
